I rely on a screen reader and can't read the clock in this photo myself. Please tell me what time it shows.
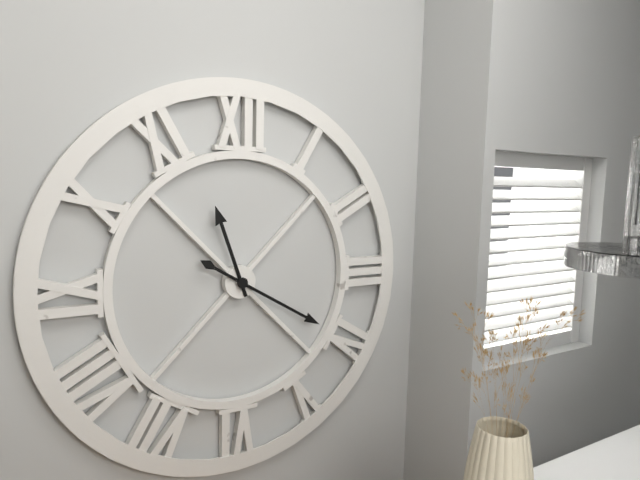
11:20
